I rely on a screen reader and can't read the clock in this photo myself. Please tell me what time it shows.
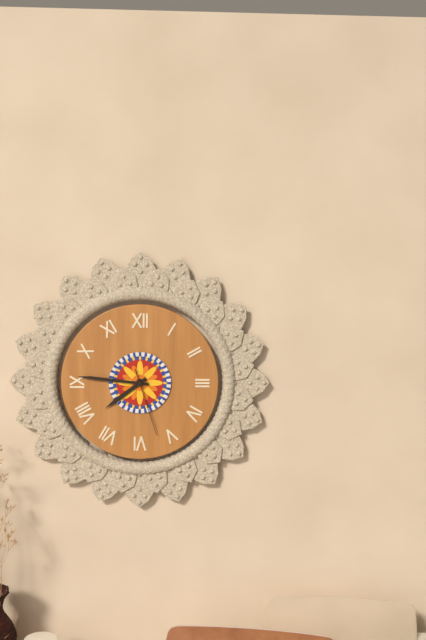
7:46:27
